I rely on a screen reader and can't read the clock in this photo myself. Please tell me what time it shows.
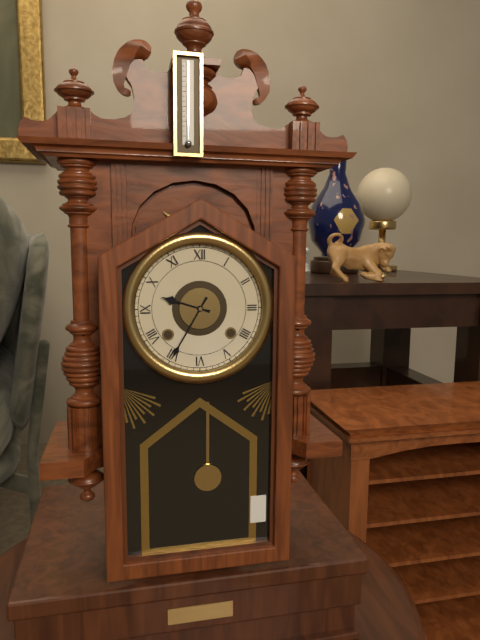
9:35
